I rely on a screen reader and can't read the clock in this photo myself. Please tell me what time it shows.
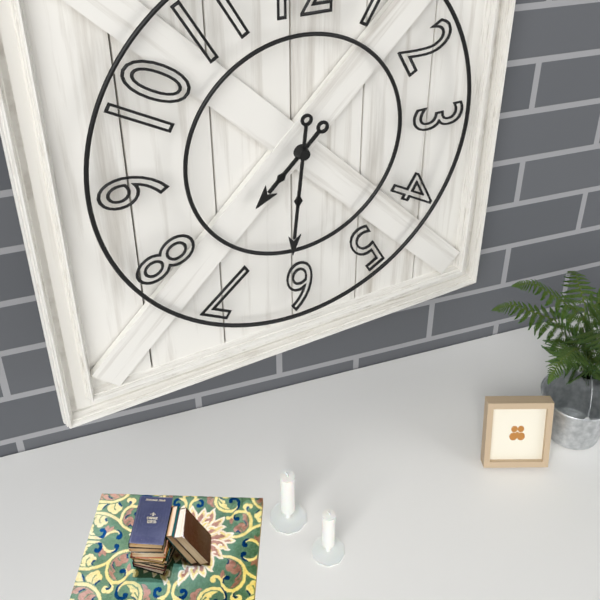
7:31
